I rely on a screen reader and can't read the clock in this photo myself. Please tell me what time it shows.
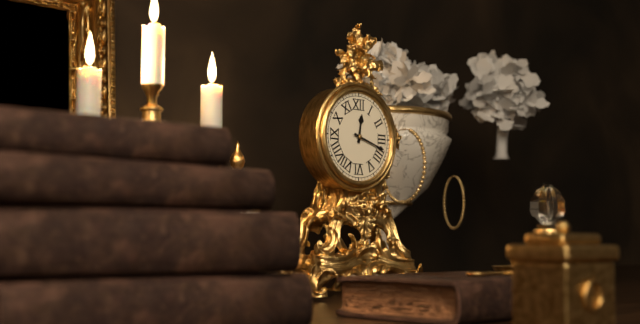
12:18
